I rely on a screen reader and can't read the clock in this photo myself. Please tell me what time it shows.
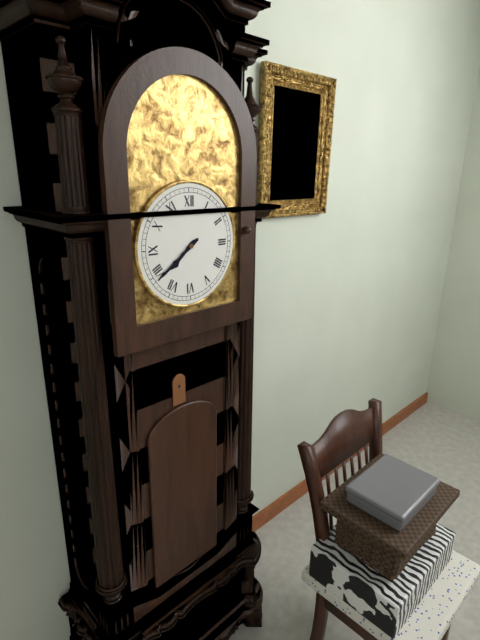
7:39
